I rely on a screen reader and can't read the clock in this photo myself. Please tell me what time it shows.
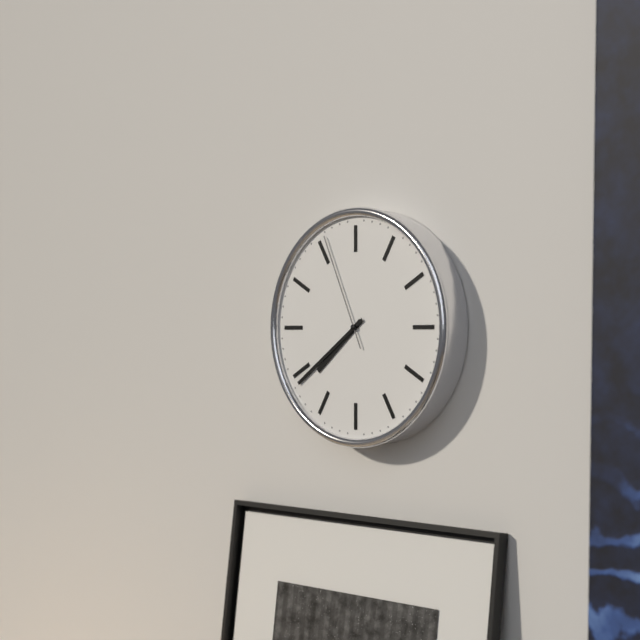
7:39:56
